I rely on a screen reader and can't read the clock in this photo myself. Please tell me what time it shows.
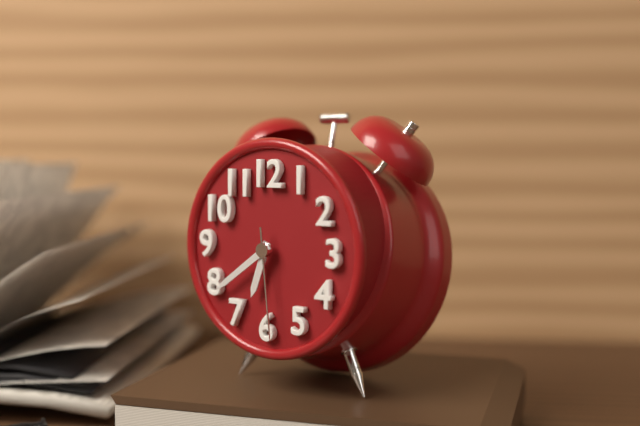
6:39:29
